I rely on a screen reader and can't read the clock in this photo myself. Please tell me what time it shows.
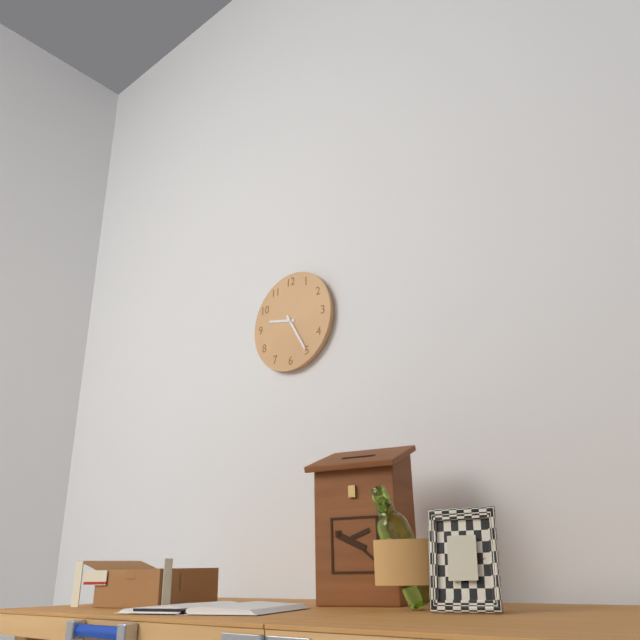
9:25
